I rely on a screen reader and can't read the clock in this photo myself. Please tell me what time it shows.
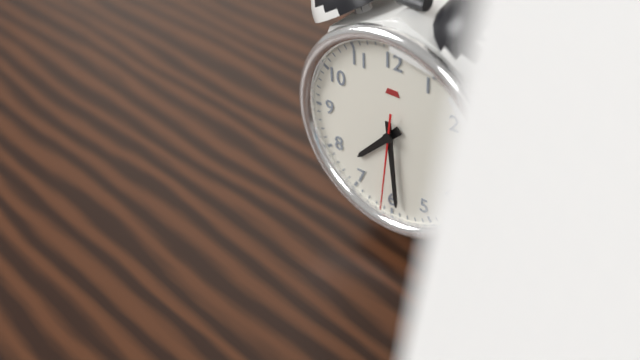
7:29:31
